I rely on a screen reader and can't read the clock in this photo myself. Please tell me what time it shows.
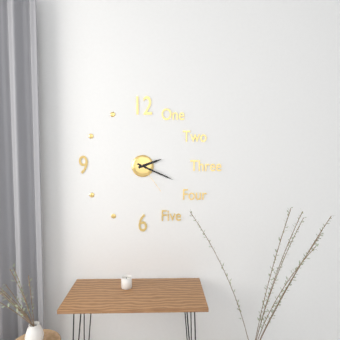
2:19
